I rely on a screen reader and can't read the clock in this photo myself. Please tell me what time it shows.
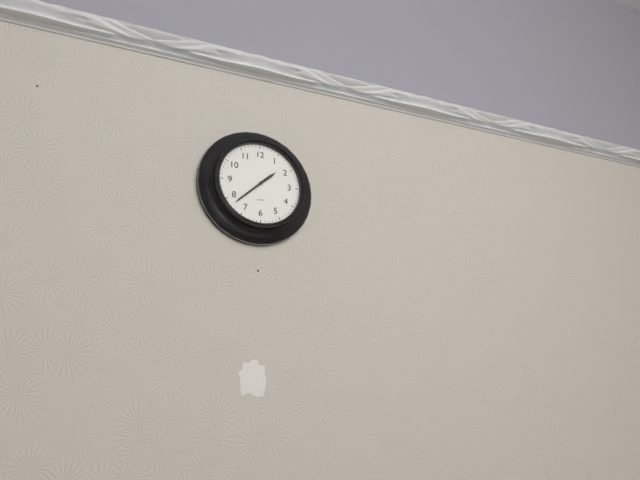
1:38
